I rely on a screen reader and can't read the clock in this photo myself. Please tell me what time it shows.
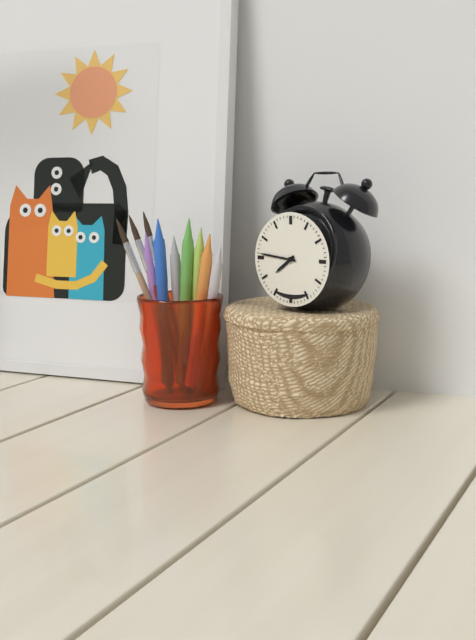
7:46
